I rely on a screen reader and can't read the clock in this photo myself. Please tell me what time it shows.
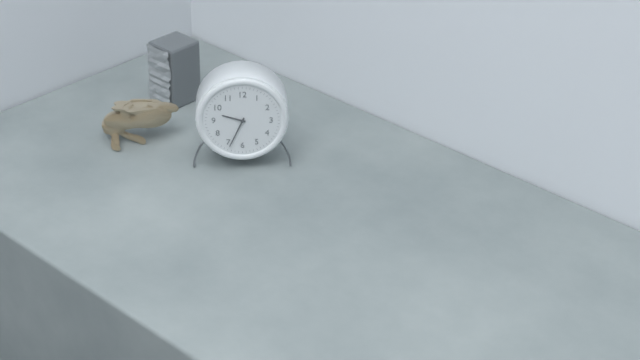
9:34
